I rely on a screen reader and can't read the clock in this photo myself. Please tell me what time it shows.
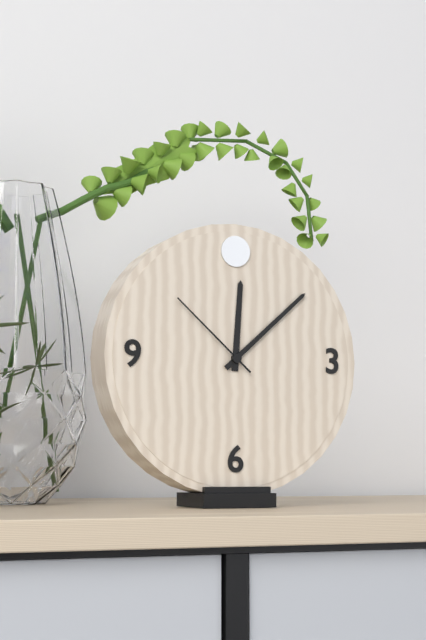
12:08:52
